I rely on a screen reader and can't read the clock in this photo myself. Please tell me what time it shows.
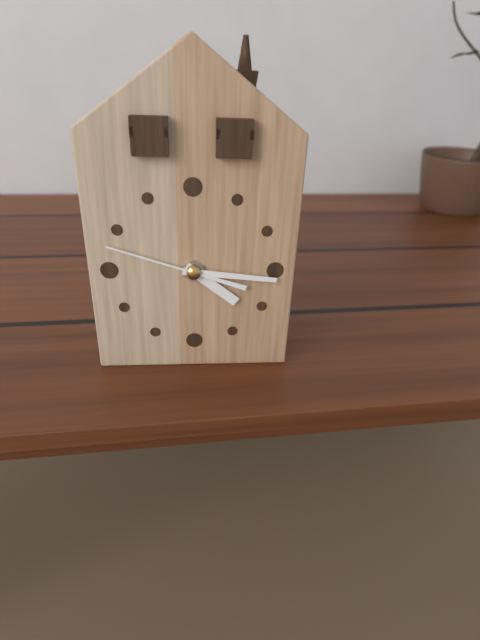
4:16:48
